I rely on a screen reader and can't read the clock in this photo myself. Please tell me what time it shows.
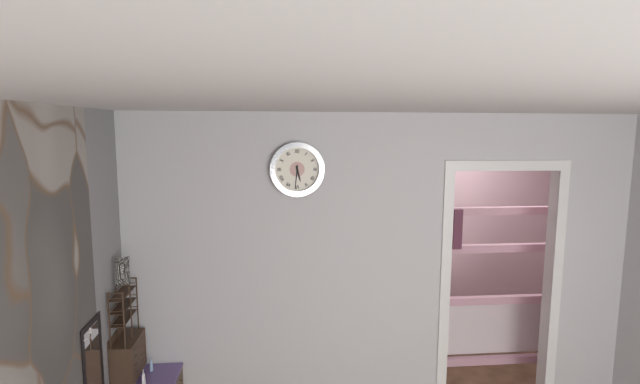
5:31
